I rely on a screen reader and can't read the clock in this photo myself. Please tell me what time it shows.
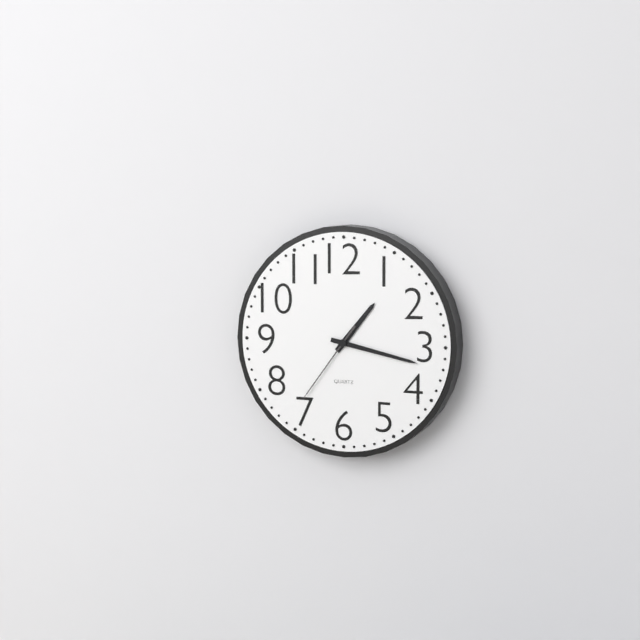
1:17:36
